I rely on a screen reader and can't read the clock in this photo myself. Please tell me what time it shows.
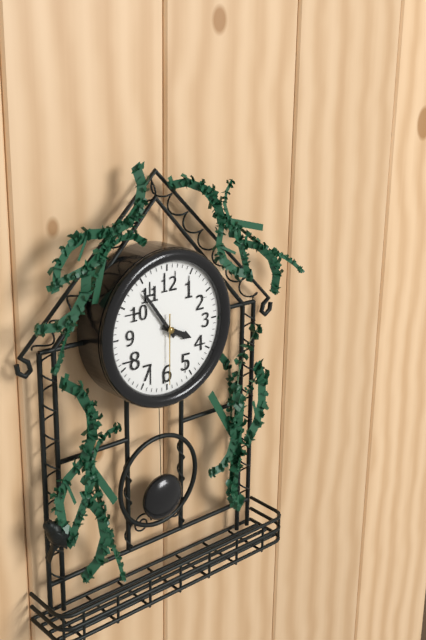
3:54:30
